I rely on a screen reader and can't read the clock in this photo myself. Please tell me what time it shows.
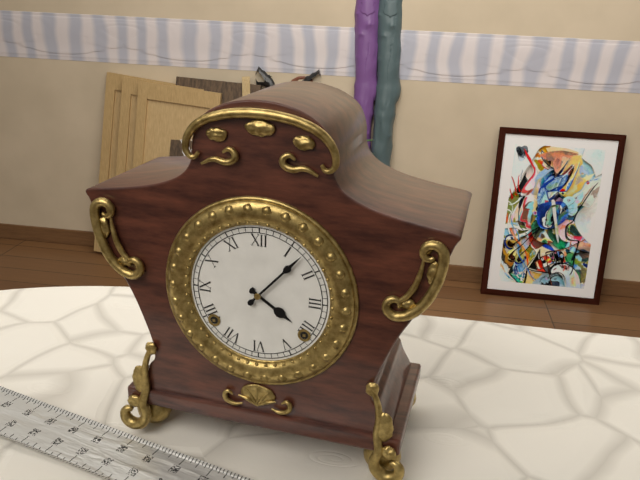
4:07
